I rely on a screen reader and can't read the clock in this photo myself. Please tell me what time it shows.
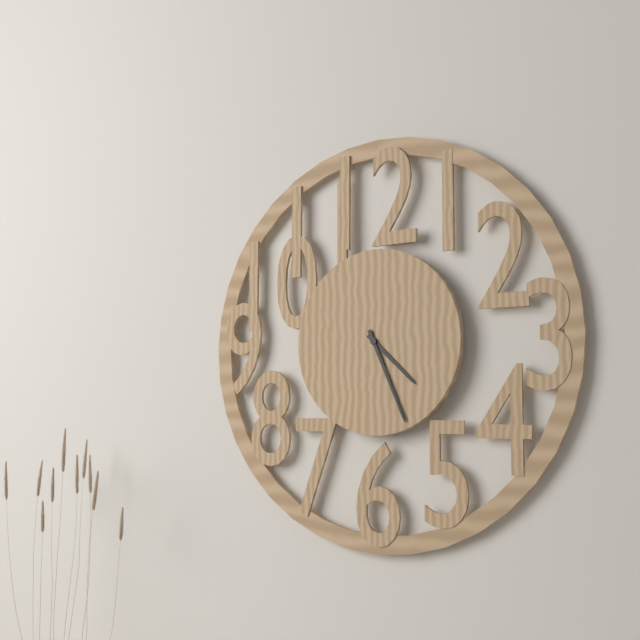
4:26
